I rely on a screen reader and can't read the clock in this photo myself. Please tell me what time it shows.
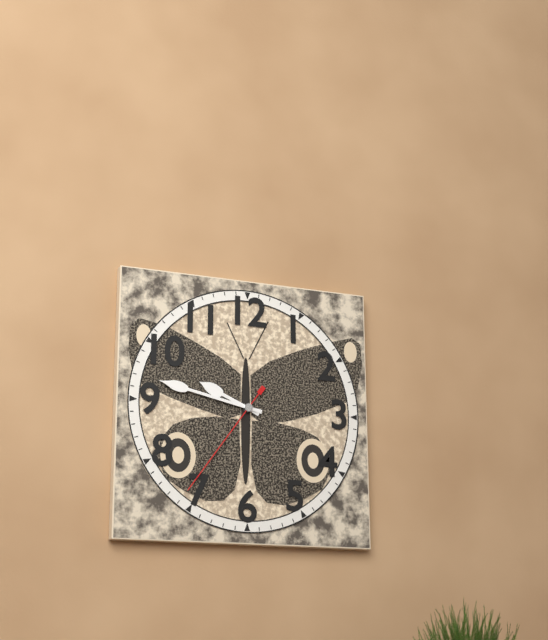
9:47:36
